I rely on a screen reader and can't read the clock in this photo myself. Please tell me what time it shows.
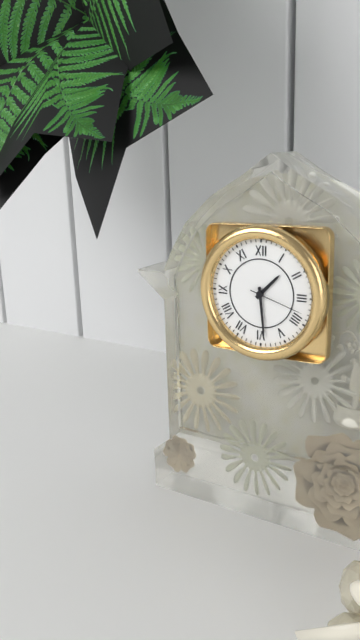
1:29:18
